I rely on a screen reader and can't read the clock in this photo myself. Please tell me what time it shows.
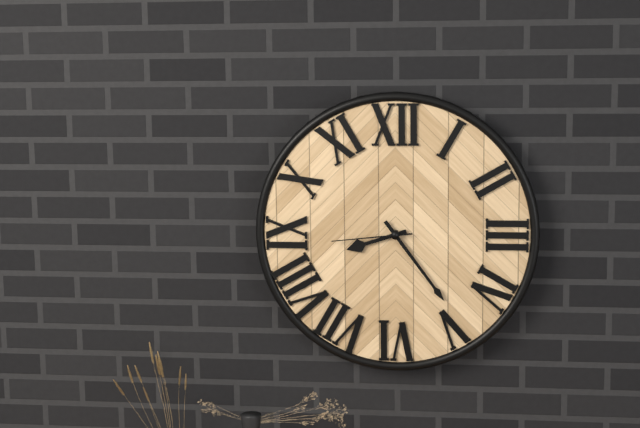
8:24:44
